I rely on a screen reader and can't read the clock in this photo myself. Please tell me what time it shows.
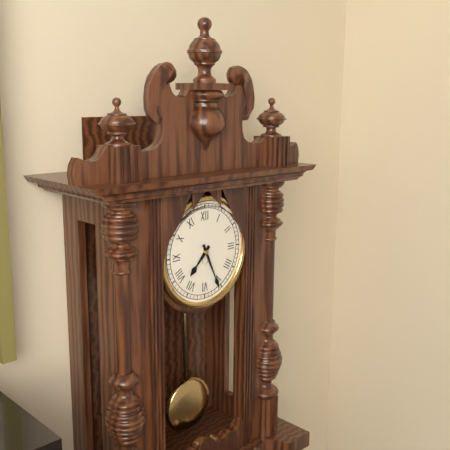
7:26
